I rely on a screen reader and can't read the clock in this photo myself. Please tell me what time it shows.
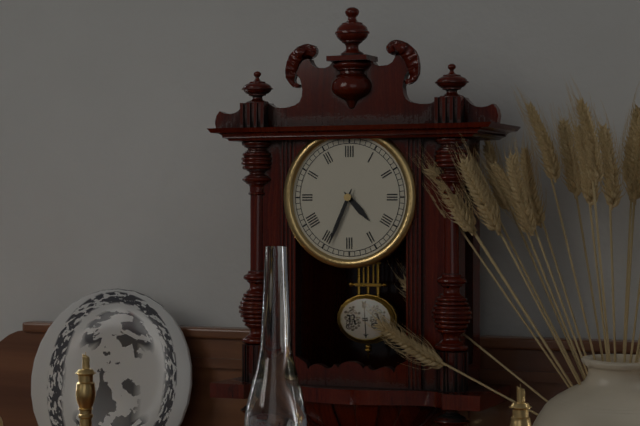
4:34
